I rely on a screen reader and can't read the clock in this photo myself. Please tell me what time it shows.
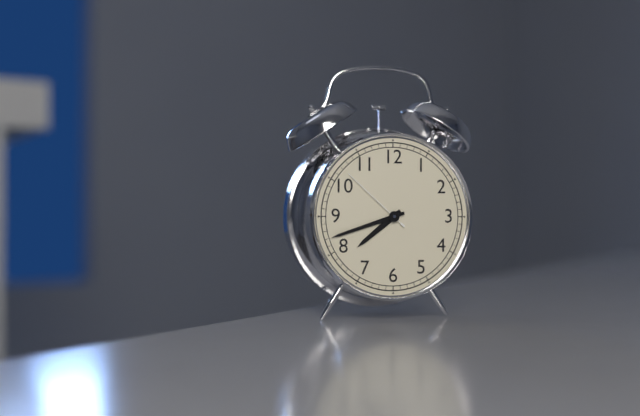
7:42:52
